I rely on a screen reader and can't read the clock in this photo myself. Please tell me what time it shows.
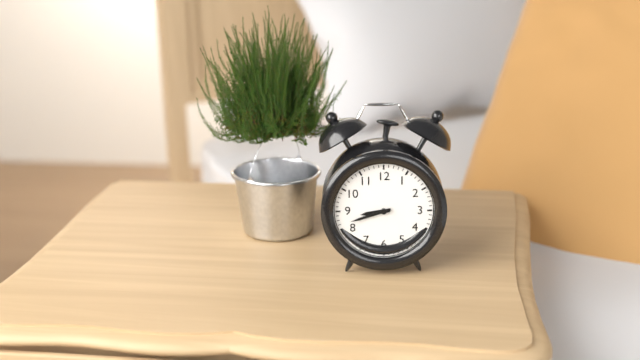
8:42
